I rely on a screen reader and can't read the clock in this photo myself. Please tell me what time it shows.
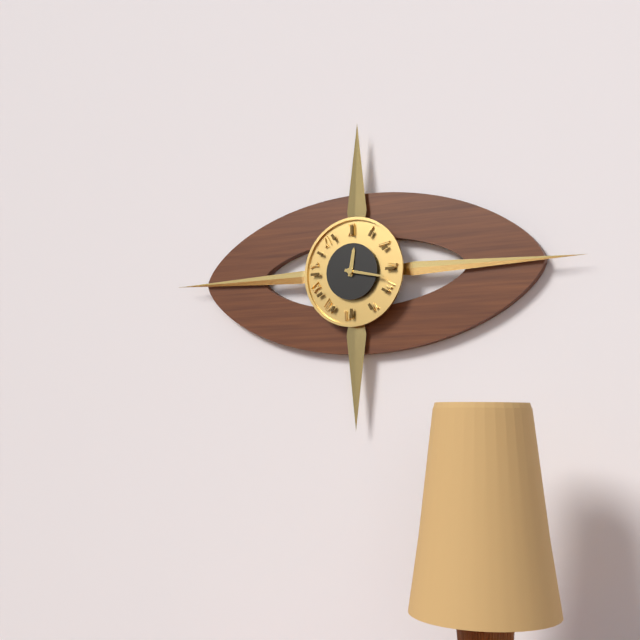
12:17
